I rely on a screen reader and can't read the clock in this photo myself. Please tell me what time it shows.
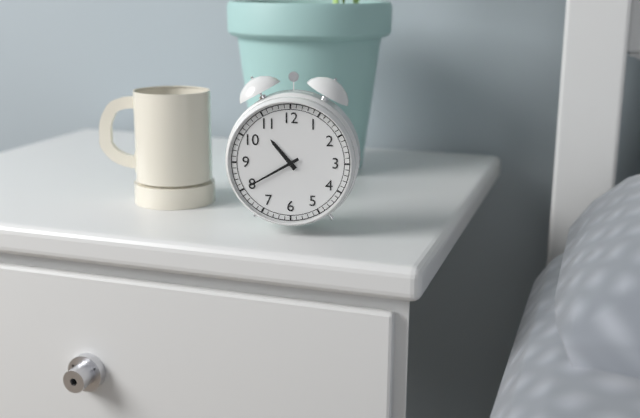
10:40
